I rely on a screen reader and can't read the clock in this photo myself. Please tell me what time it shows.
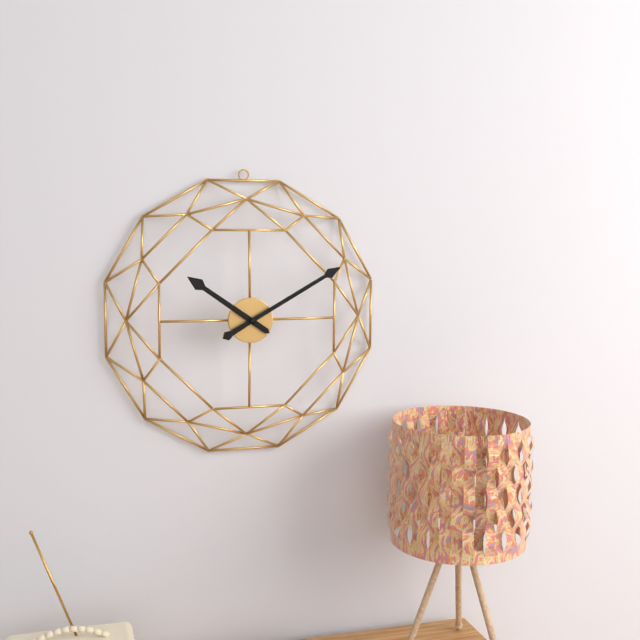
10:10
